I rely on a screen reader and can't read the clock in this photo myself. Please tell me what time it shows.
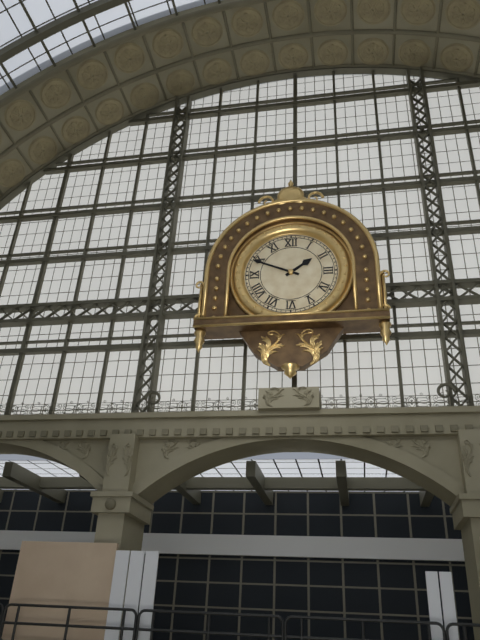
1:49
